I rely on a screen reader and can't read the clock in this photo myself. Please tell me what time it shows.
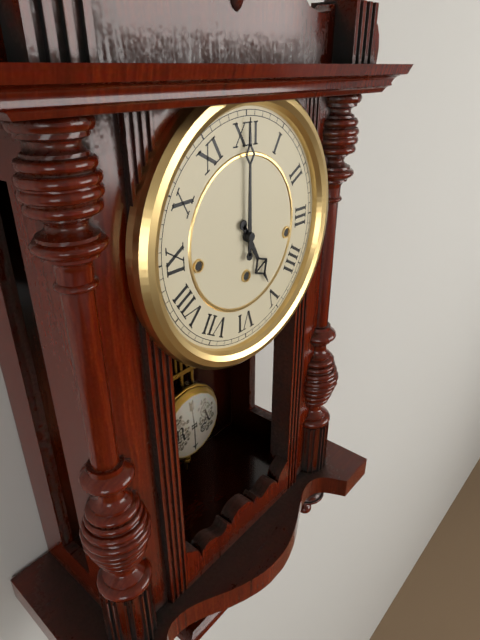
5:00
